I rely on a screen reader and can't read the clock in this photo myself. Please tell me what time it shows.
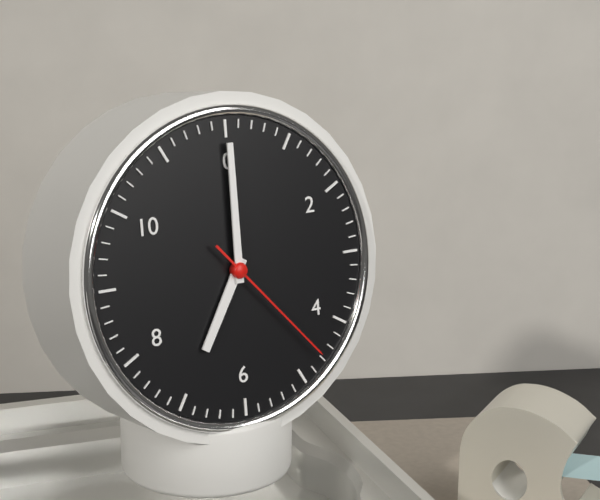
7:00:23
